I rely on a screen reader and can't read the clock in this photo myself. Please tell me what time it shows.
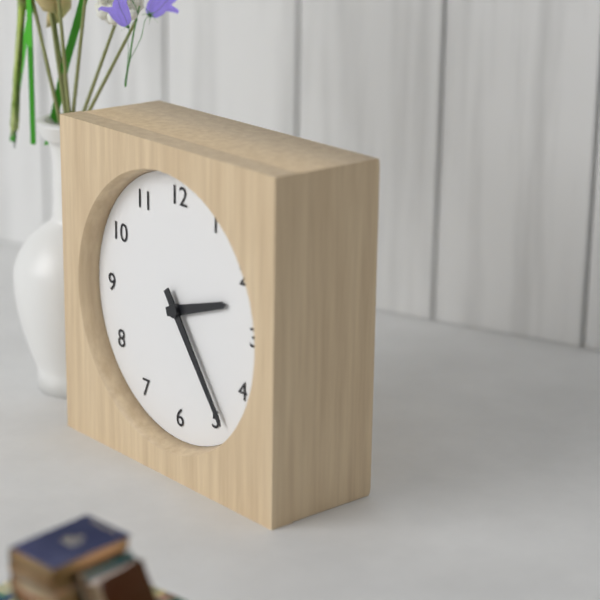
2:24
